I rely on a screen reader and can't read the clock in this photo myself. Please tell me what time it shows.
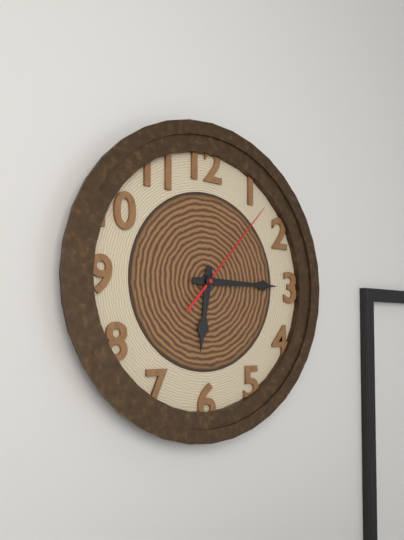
6:15:07
